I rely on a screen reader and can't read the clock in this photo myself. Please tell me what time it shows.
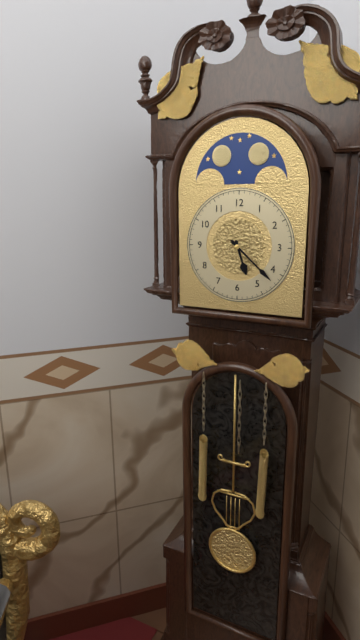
5:22
